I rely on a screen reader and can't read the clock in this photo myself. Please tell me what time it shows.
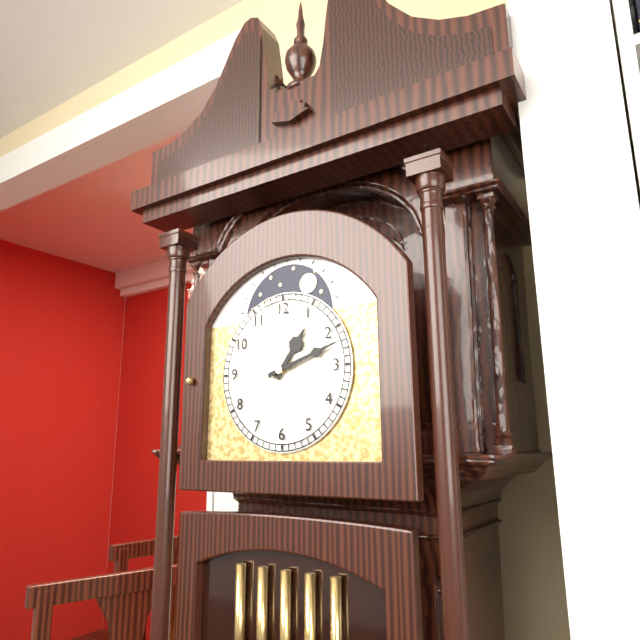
1:12
